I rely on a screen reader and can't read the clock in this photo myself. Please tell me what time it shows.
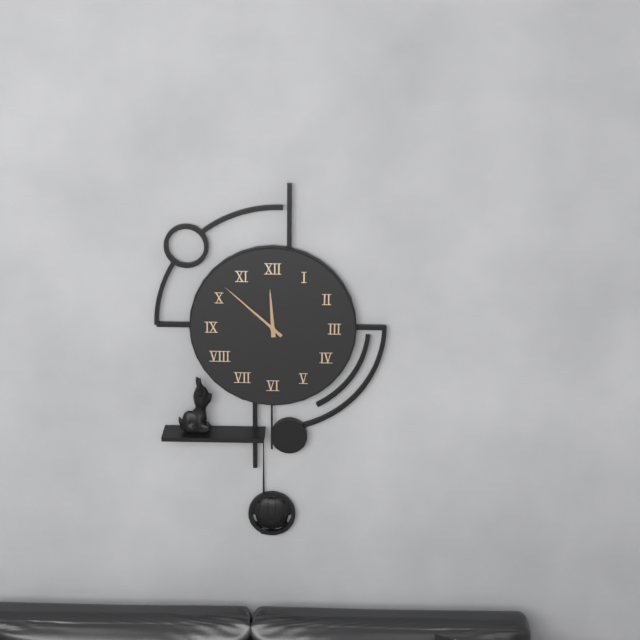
11:52
